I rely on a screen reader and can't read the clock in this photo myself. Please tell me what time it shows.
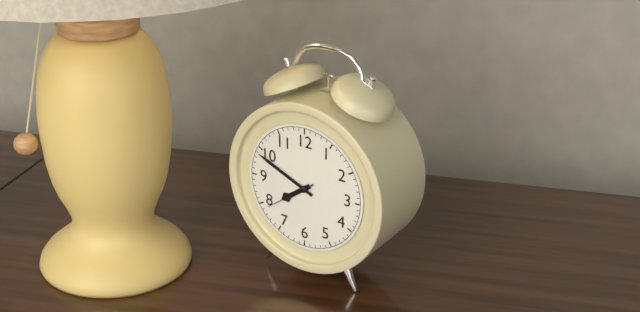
7:49:39
